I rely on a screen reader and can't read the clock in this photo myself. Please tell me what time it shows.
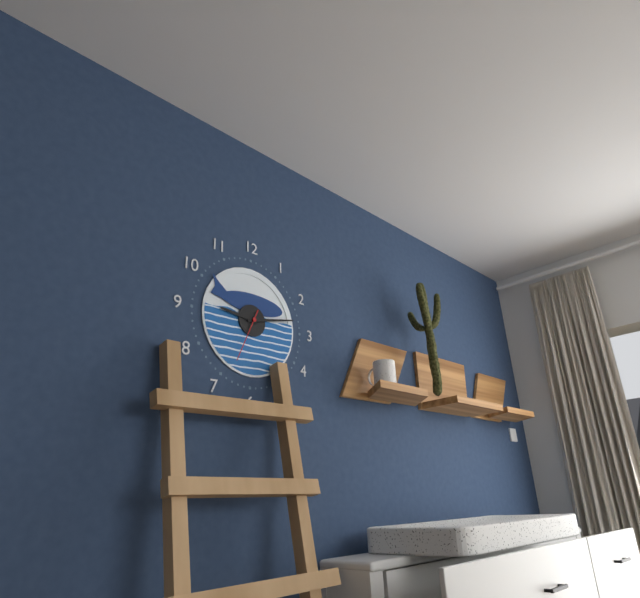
9:13:34
